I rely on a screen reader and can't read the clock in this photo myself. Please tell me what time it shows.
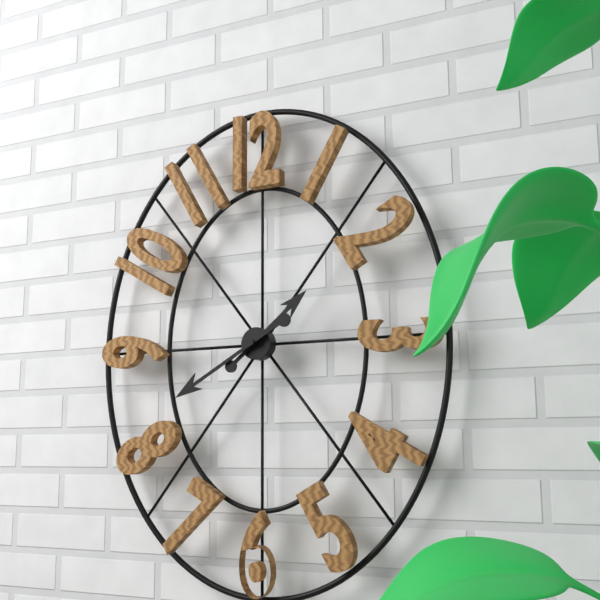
1:40
